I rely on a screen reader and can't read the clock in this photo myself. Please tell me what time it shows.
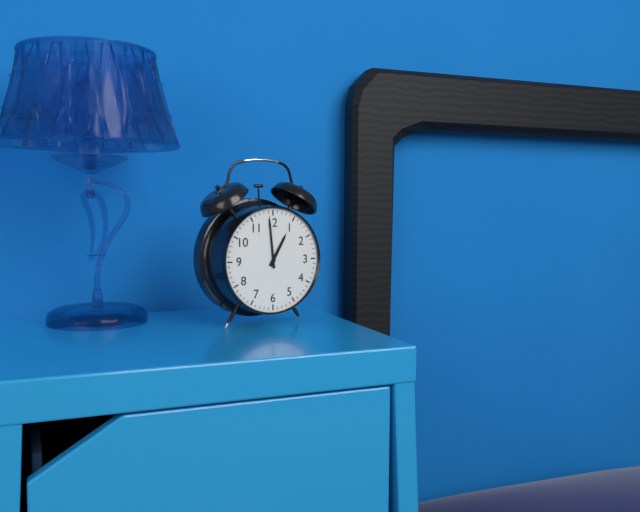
12:59
